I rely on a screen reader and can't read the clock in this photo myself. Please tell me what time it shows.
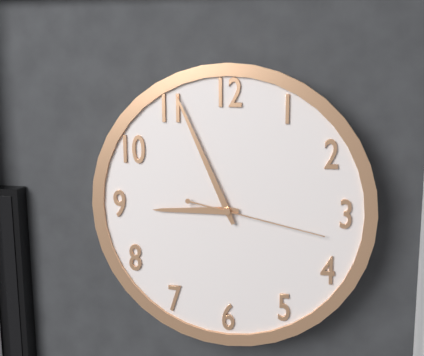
8:56:17
